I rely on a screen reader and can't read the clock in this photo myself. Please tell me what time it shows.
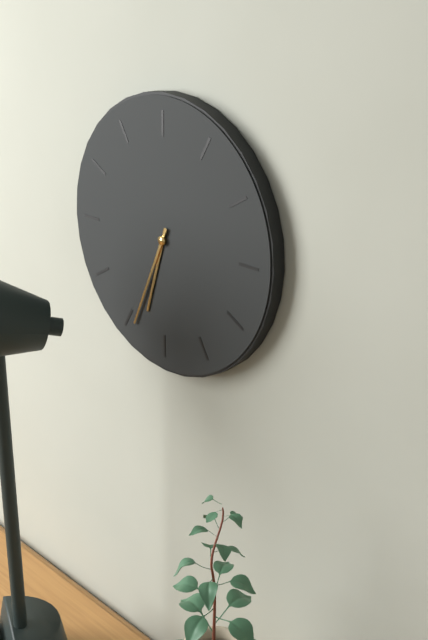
6:34
